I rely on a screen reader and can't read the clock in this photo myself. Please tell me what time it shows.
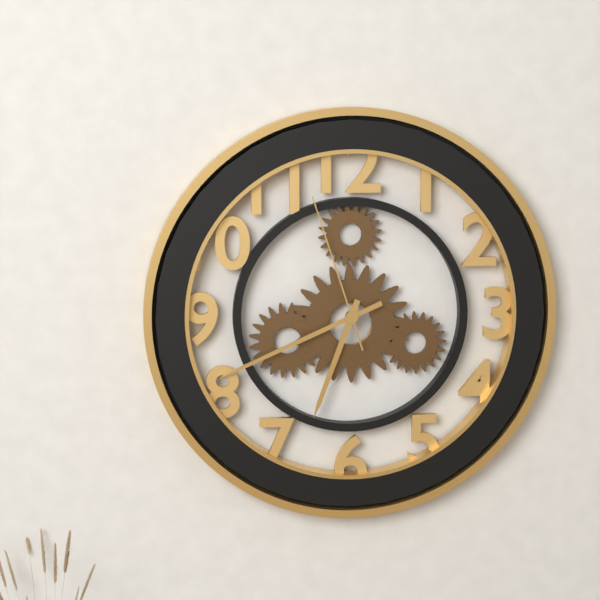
6:41:57
